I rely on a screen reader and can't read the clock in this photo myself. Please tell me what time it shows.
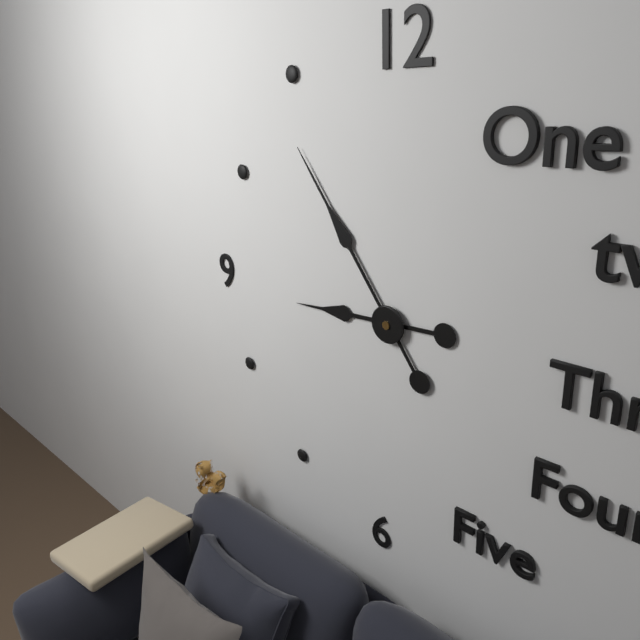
8:54
